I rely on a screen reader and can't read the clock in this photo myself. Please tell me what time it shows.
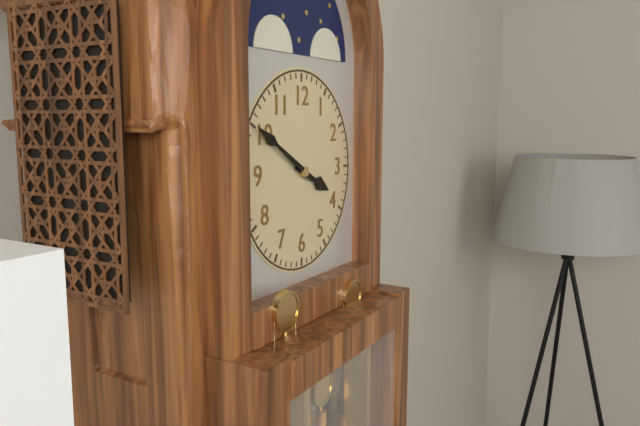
3:50
